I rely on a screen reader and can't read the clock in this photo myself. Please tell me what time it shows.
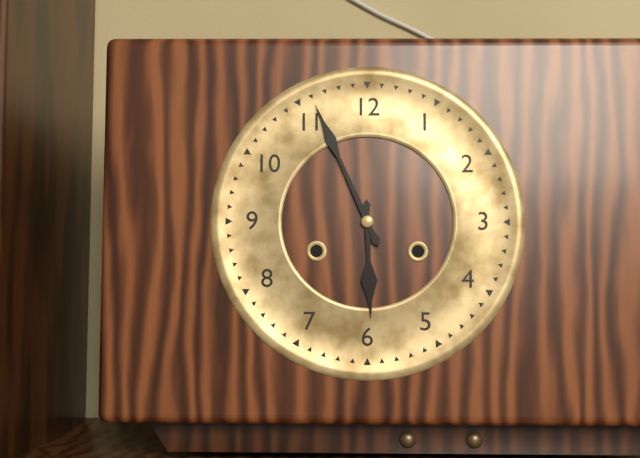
5:56
